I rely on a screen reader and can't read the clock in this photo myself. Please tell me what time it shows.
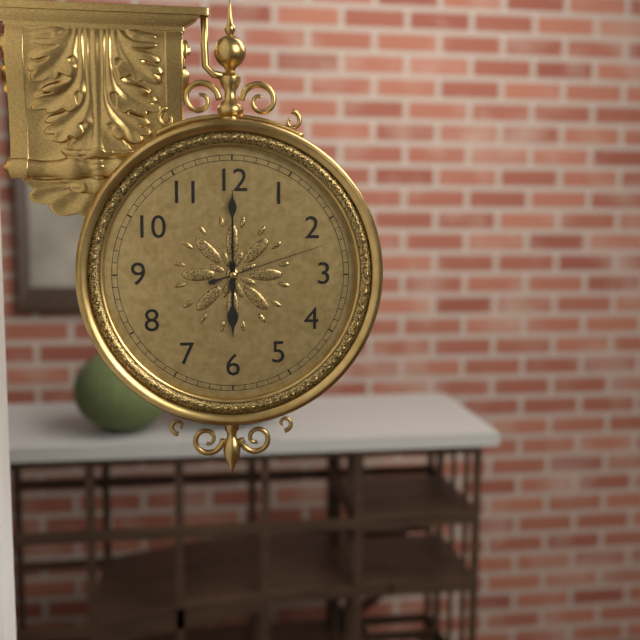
6:00:12
